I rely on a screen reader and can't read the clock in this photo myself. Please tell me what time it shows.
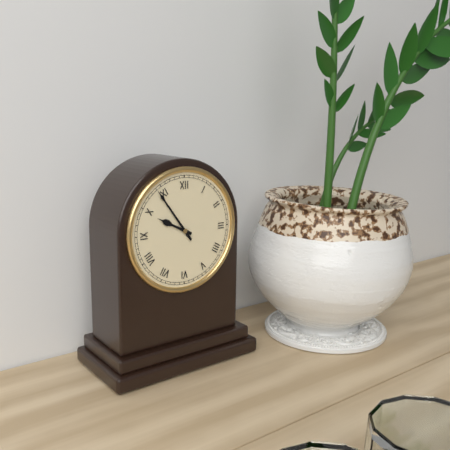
9:54
